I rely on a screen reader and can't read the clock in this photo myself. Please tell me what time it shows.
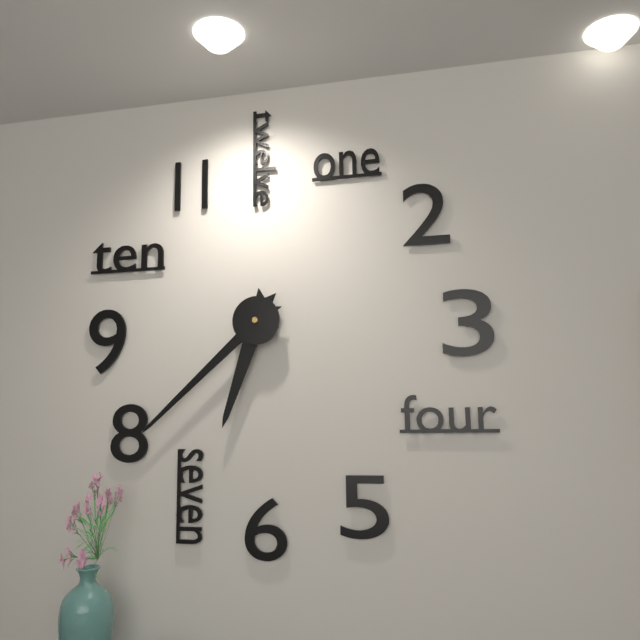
6:38
